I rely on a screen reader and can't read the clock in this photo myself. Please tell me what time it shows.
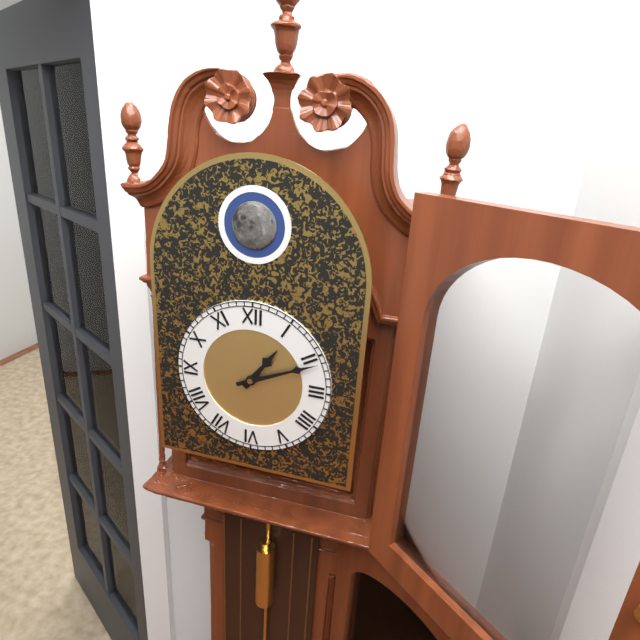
1:11
